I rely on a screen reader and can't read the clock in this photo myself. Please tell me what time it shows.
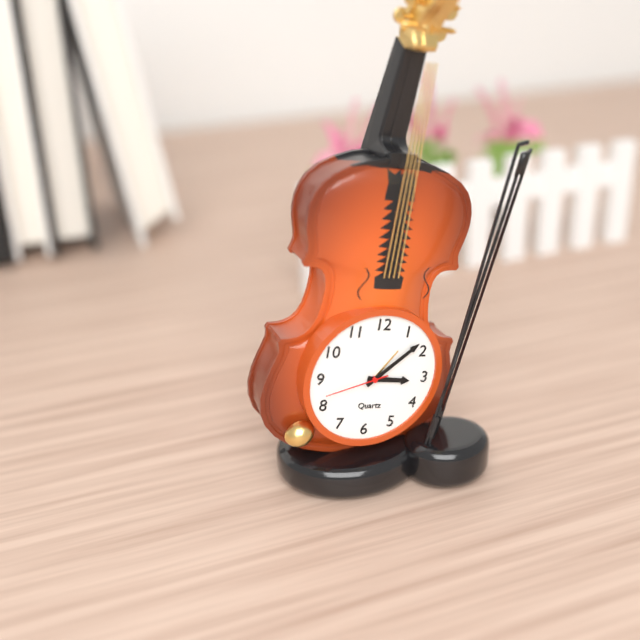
3:08:42
